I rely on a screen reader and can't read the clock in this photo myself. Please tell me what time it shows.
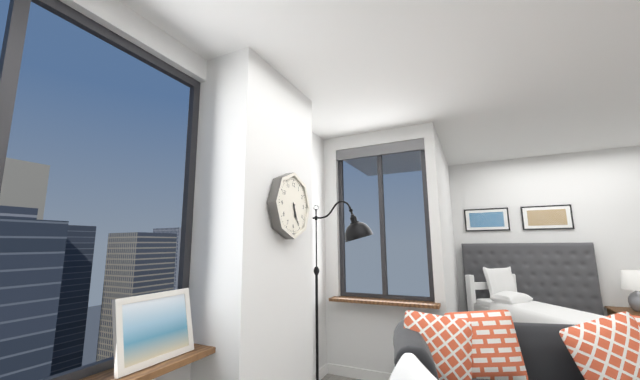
5:26
